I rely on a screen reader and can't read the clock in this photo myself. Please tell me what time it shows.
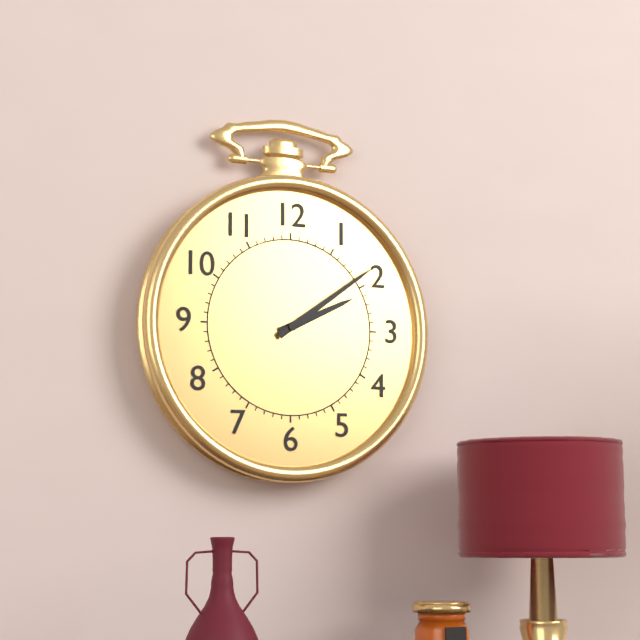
2:09
